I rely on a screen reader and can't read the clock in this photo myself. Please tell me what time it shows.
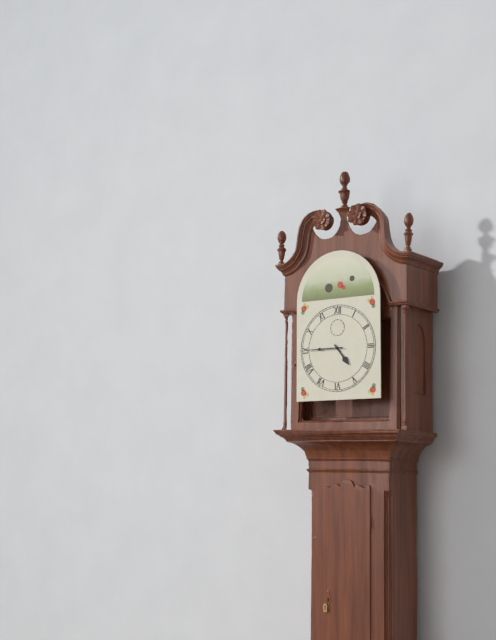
4:45
